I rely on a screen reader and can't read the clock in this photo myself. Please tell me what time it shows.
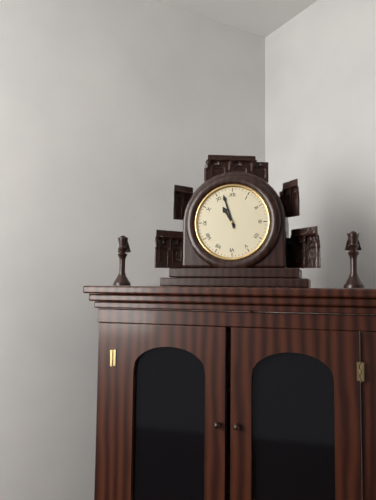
10:57
